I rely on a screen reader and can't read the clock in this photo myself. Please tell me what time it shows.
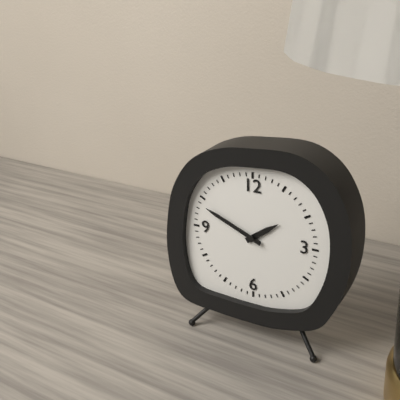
1:49
